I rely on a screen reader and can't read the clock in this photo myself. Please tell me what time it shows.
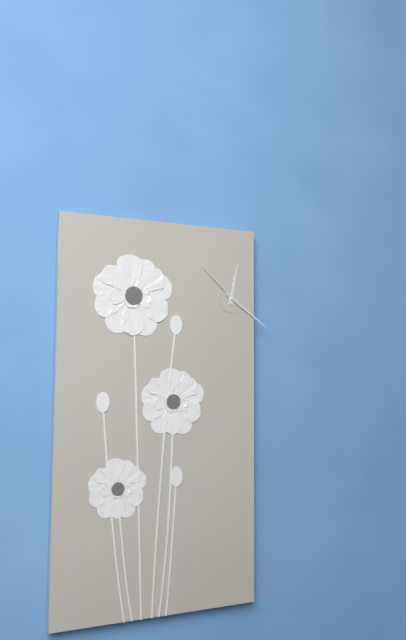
12:21:52
